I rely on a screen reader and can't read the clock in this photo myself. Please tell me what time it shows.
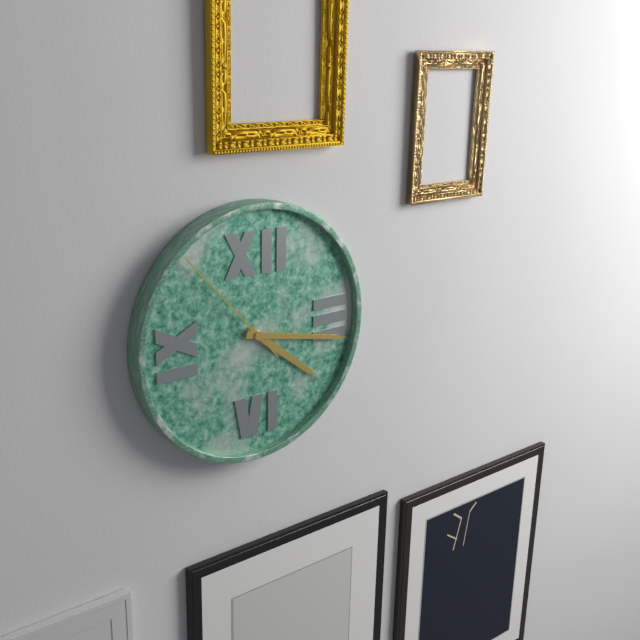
4:17:53
